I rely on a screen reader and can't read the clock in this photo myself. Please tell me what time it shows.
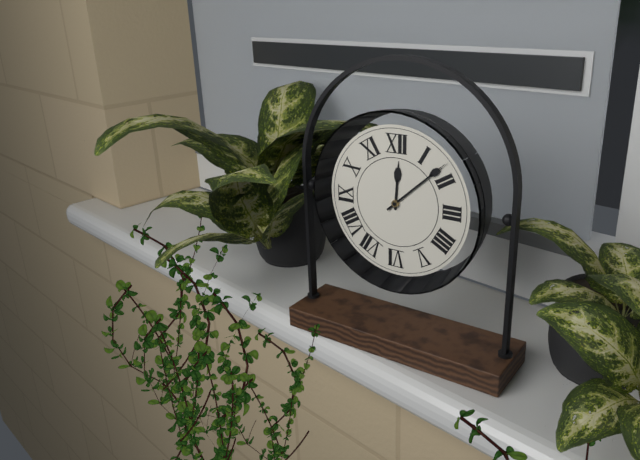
12:08
